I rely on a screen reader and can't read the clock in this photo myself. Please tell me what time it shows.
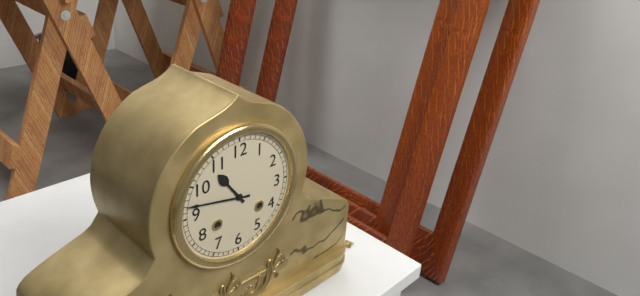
10:47
